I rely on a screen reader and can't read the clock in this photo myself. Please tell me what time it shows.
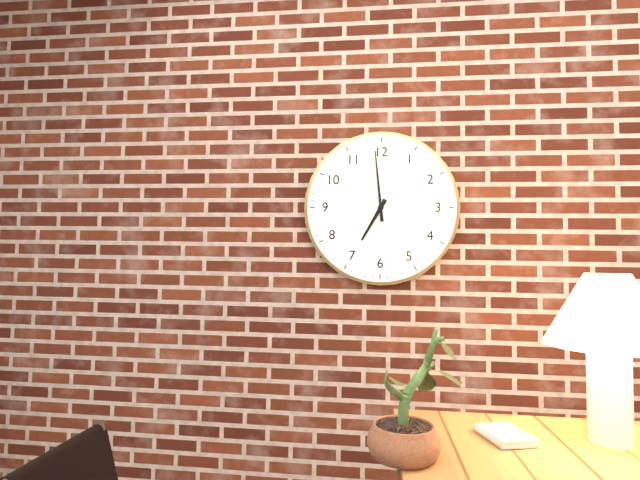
6:59
